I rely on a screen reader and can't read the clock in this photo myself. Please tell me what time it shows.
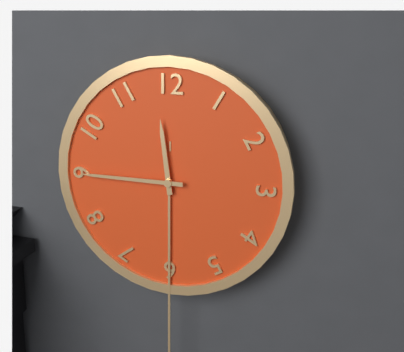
11:45
